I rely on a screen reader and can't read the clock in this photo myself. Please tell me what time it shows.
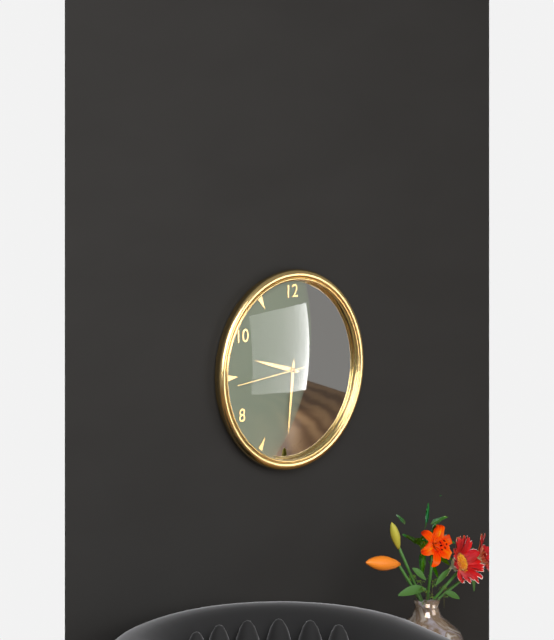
9:31:44
